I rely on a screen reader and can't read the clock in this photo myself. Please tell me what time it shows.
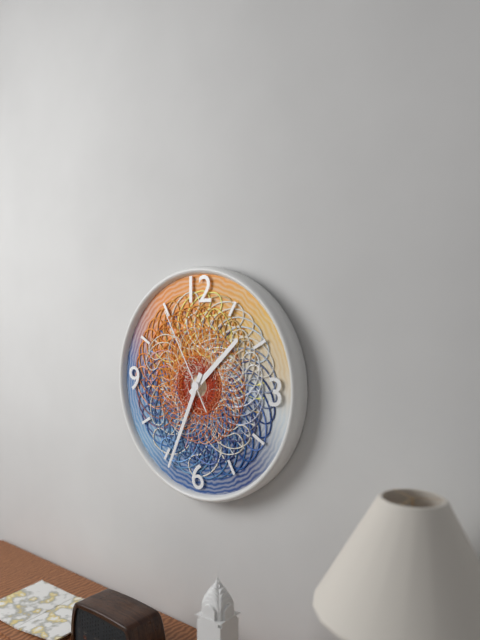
1:34:55
